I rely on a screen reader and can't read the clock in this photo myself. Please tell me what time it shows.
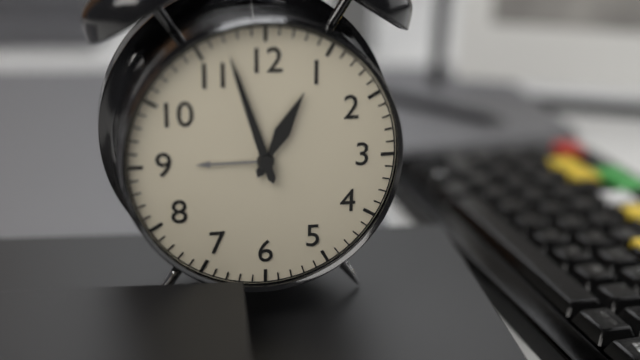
12:57
